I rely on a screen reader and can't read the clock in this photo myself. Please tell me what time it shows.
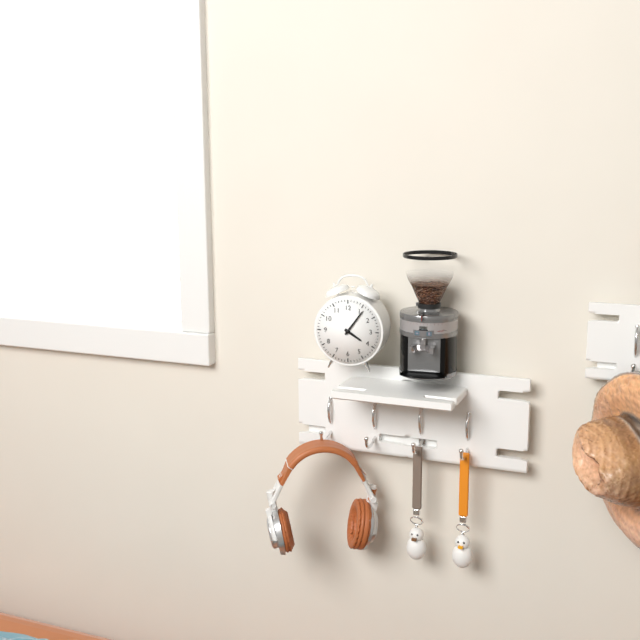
4:06
